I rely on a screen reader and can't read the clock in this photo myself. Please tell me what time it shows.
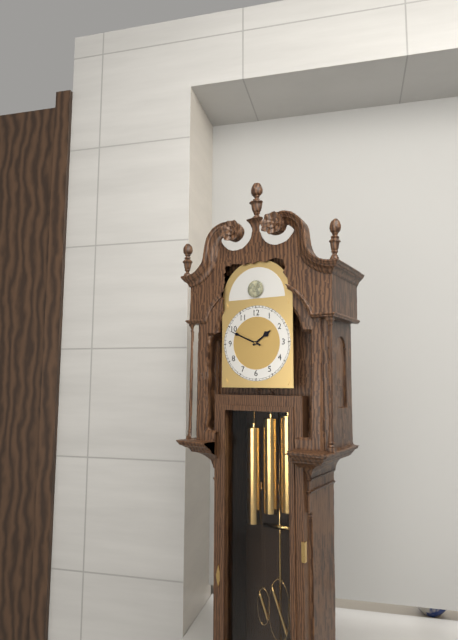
1:49
